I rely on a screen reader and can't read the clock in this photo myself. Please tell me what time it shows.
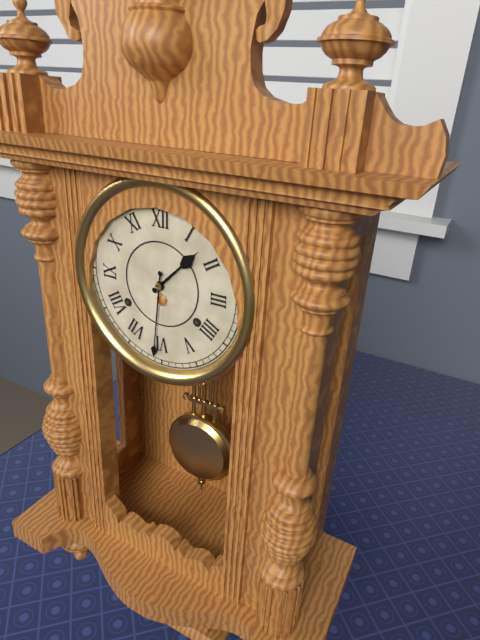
1:31
